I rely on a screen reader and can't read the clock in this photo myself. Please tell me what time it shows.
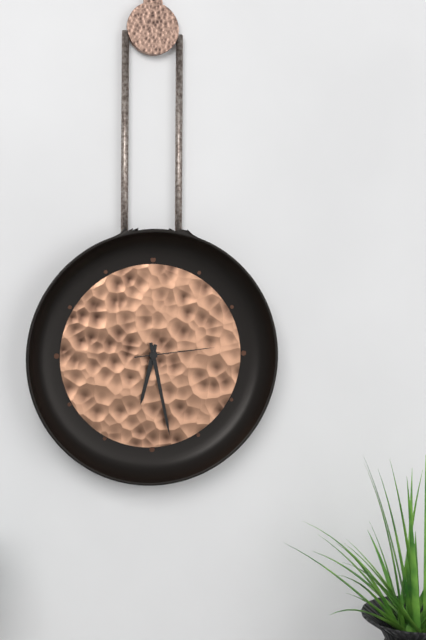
6:28:14
